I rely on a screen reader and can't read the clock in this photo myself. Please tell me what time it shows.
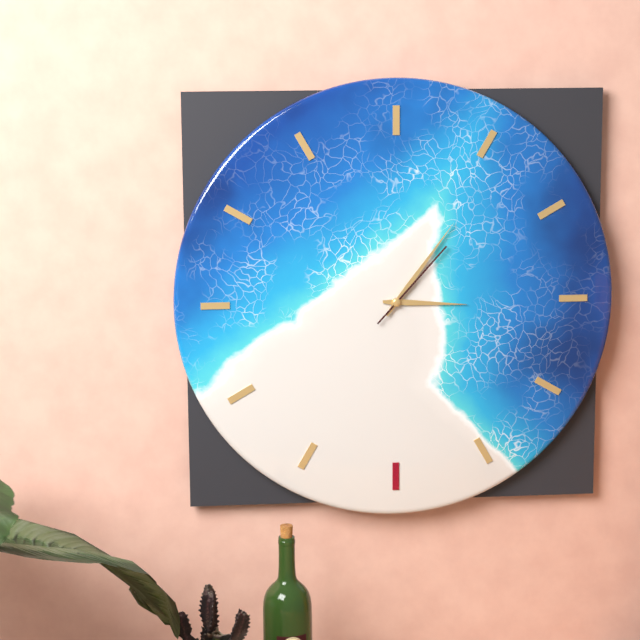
3:06:07
